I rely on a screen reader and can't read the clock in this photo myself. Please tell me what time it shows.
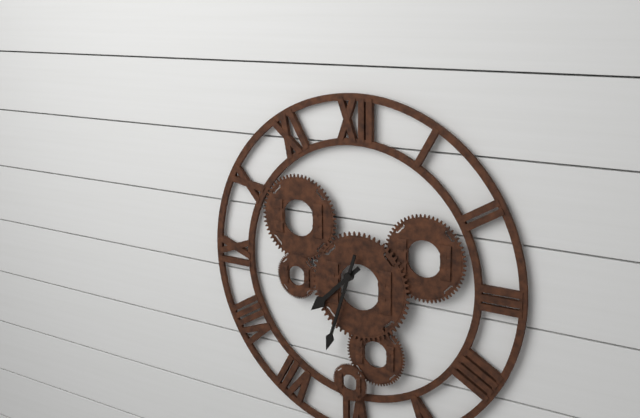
7:33
